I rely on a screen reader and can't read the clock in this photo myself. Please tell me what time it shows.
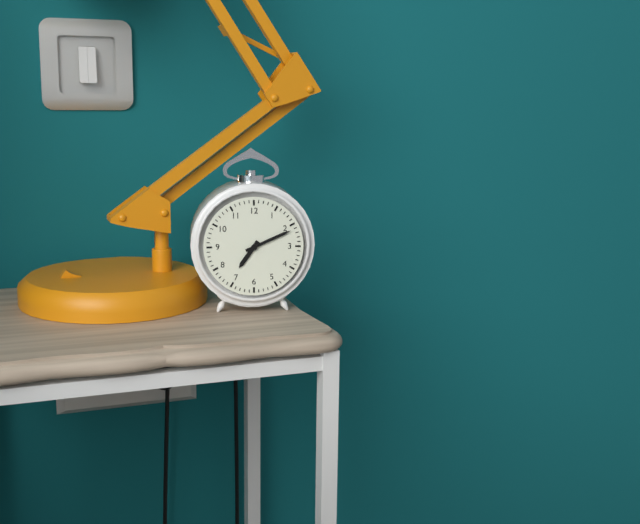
7:11
